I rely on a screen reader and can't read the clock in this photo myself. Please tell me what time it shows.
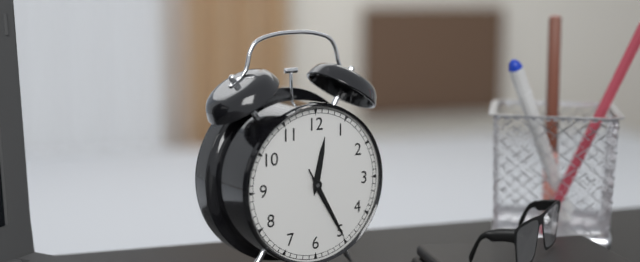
12:25:25
